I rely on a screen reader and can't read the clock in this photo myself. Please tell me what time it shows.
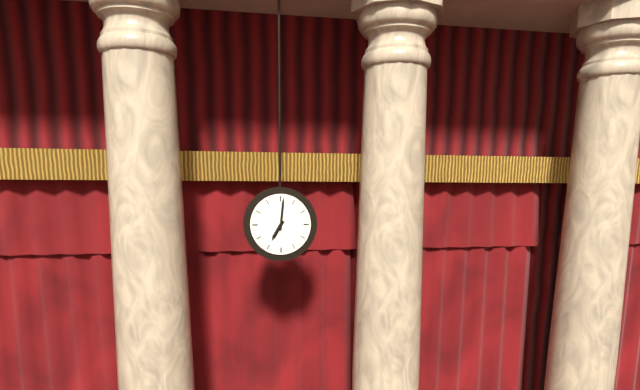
7:01
